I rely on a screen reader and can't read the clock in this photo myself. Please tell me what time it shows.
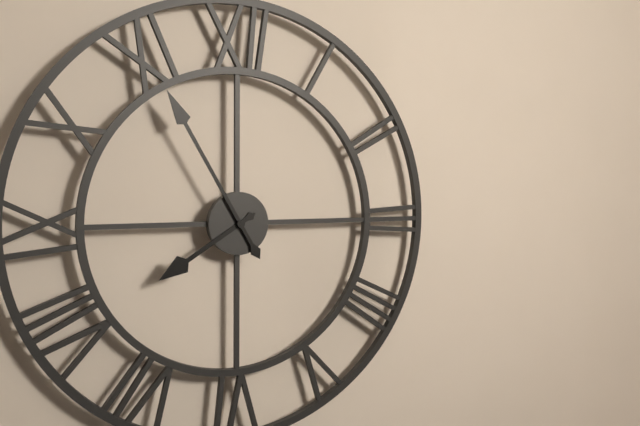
7:55
